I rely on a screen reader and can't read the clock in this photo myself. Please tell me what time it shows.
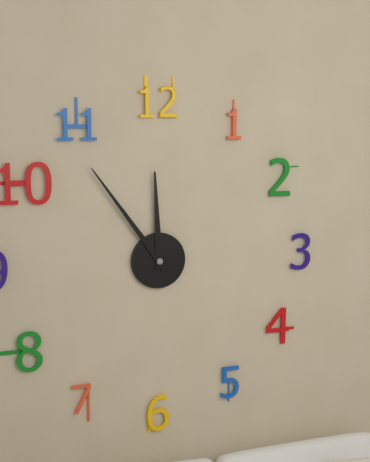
11:54
